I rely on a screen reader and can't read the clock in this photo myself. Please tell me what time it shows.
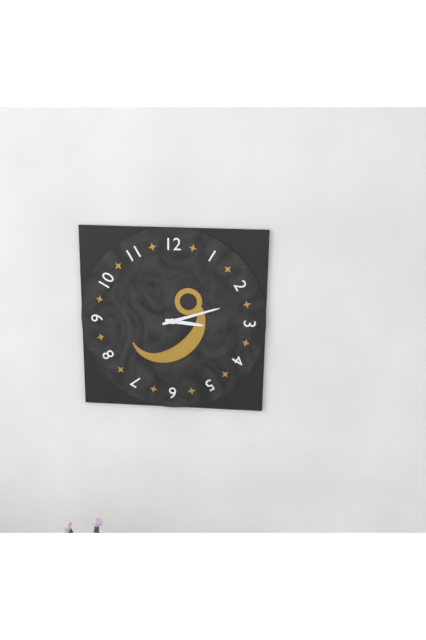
3:12
